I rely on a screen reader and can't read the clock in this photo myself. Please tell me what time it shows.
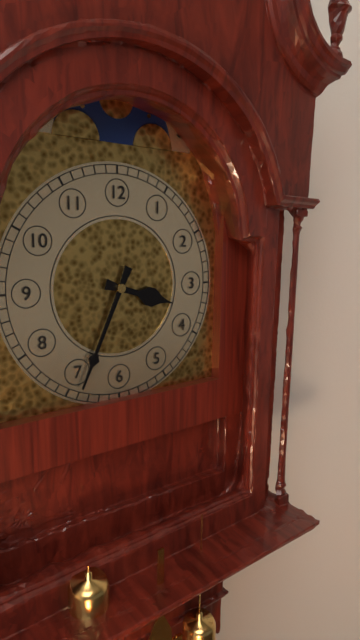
3:34
